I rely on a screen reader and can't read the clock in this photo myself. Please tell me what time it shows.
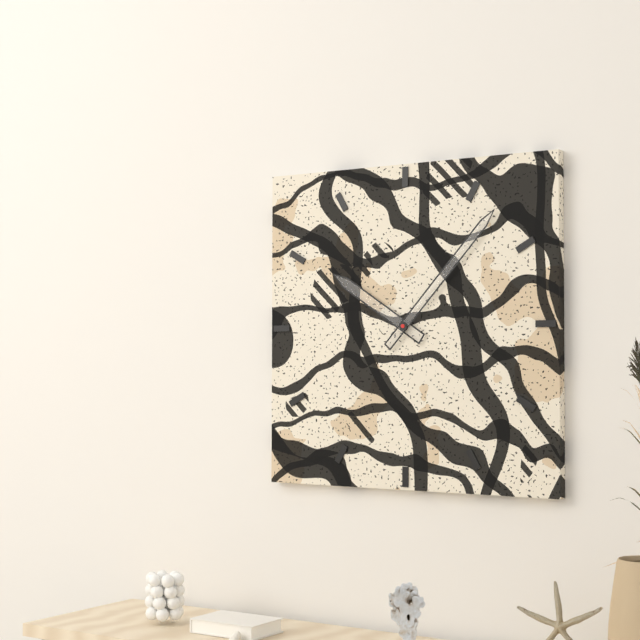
10:07
